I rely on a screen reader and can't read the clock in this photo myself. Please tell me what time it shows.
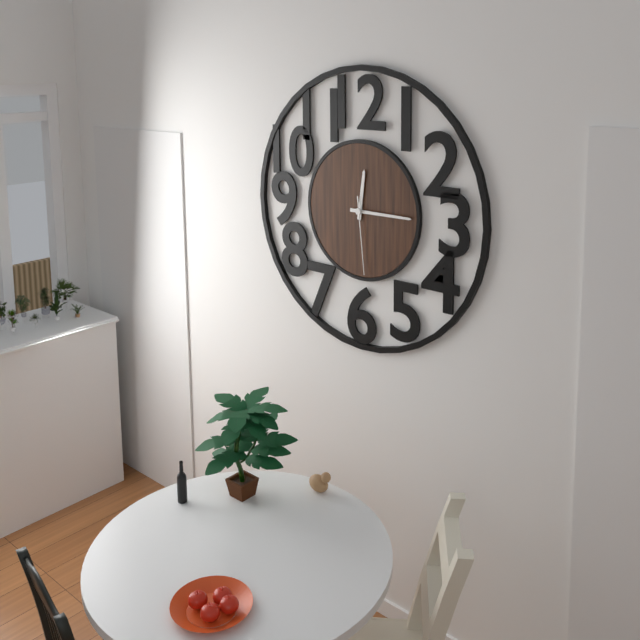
12:15:29
